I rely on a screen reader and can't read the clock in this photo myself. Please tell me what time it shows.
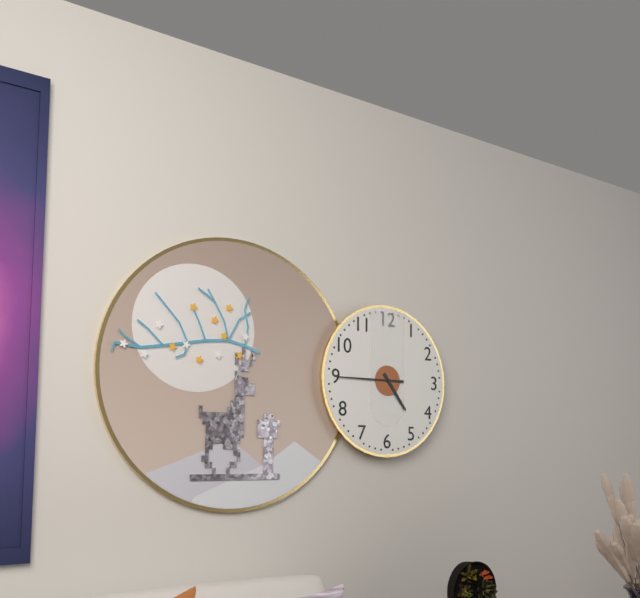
4:45
